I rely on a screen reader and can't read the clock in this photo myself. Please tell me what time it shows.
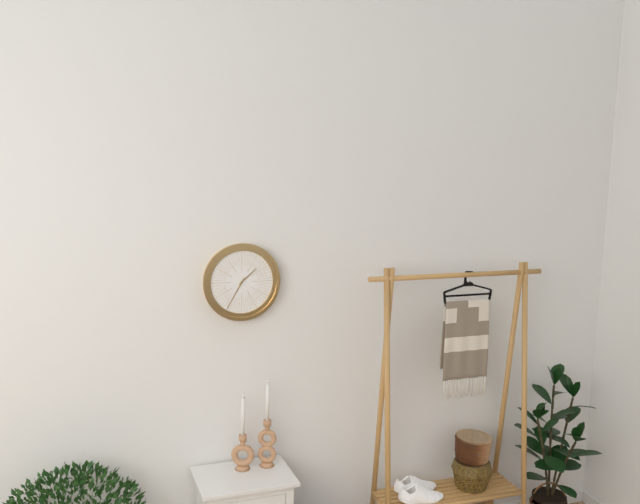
1:35
